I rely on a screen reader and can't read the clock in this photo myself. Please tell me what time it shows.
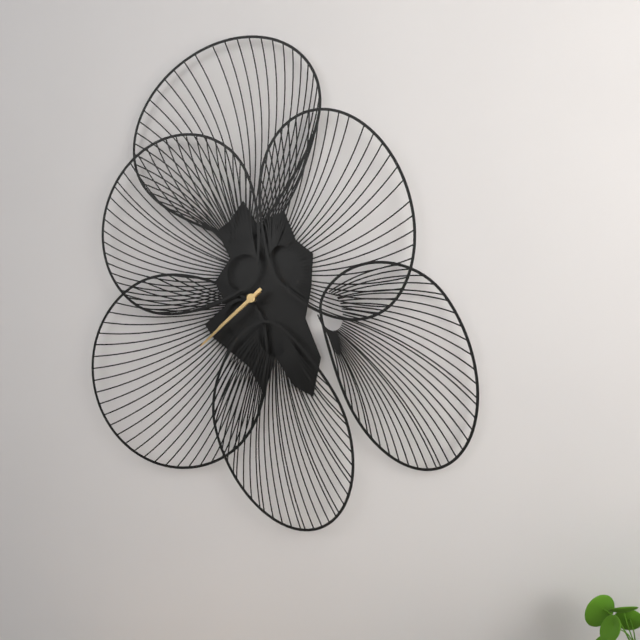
7:38
